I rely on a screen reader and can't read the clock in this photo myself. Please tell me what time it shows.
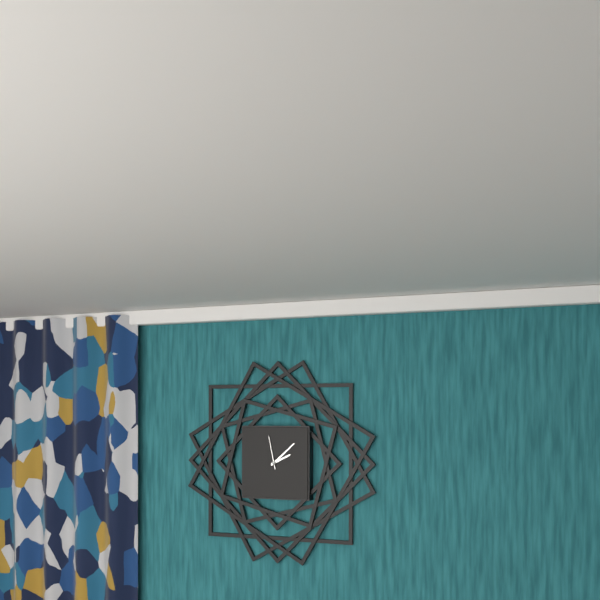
2:08
